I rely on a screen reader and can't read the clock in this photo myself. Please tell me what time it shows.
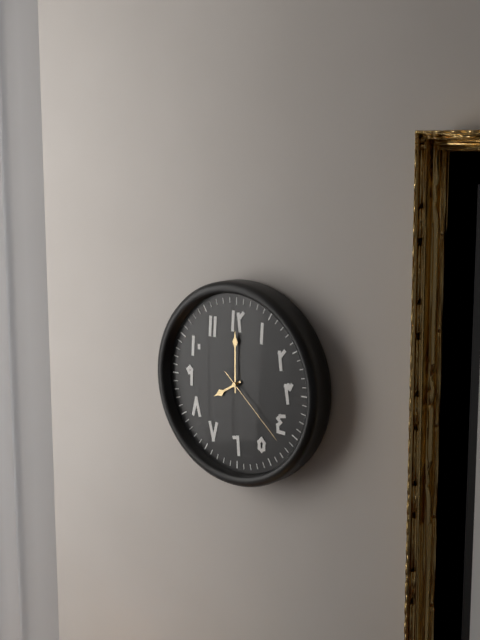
8:00:22
